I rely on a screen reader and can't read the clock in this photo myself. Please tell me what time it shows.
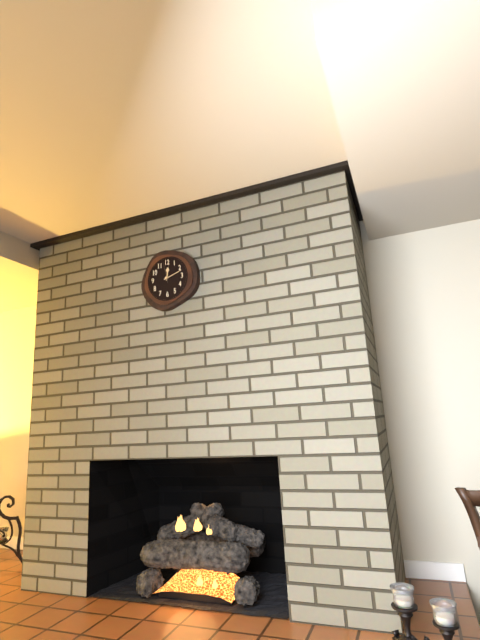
12:12
